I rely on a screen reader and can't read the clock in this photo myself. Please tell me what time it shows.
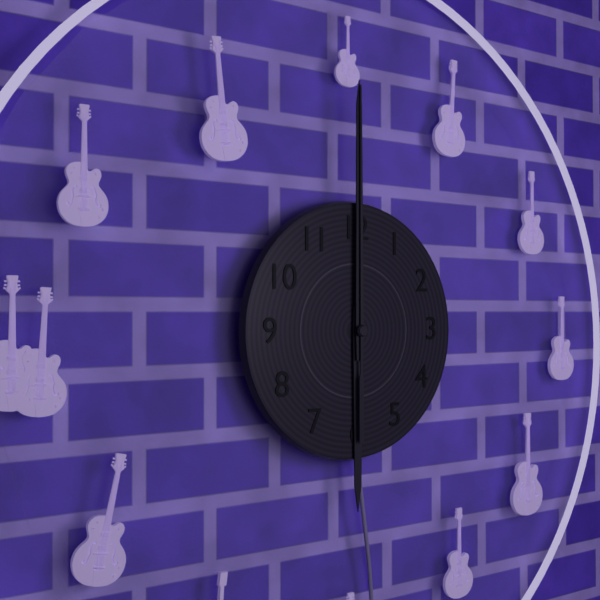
6:00:00
